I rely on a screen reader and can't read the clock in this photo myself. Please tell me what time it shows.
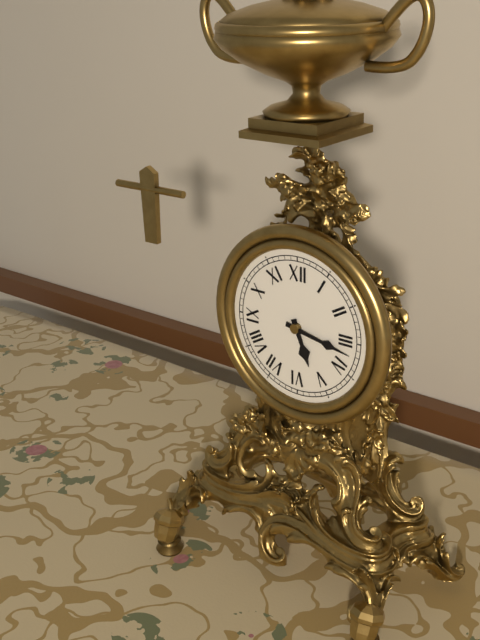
5:17
